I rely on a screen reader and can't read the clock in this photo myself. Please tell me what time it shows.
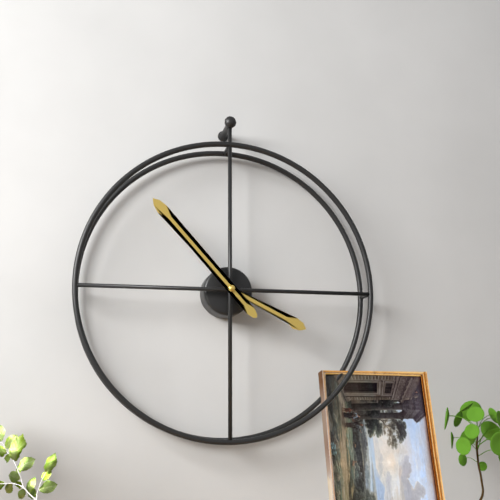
3:53
